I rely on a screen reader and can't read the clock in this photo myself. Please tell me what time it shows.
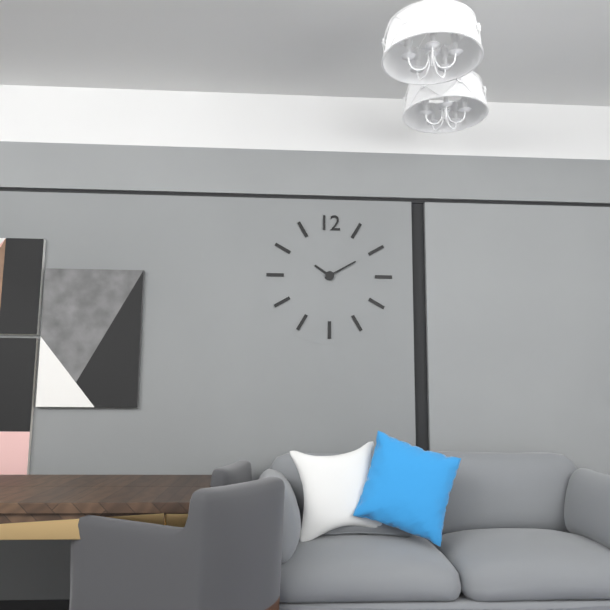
10:10
